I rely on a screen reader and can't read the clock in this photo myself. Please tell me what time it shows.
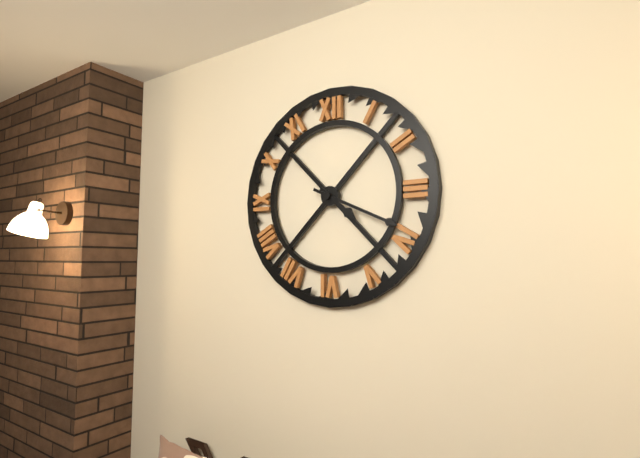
4:19
